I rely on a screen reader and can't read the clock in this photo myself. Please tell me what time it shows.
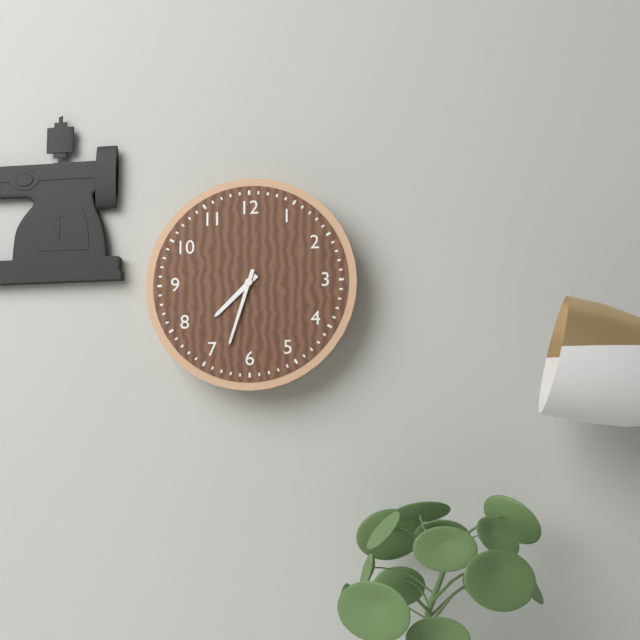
7:33
